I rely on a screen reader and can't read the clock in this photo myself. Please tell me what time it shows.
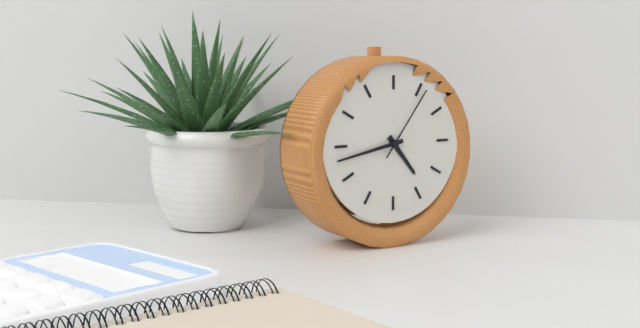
4:43:06
